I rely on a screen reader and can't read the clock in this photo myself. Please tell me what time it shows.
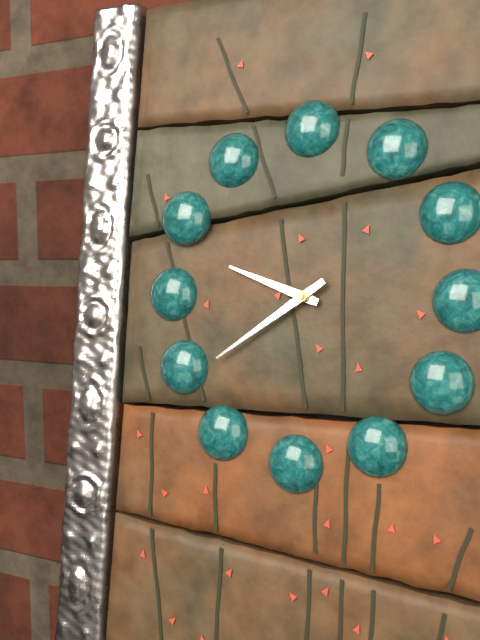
9:39
